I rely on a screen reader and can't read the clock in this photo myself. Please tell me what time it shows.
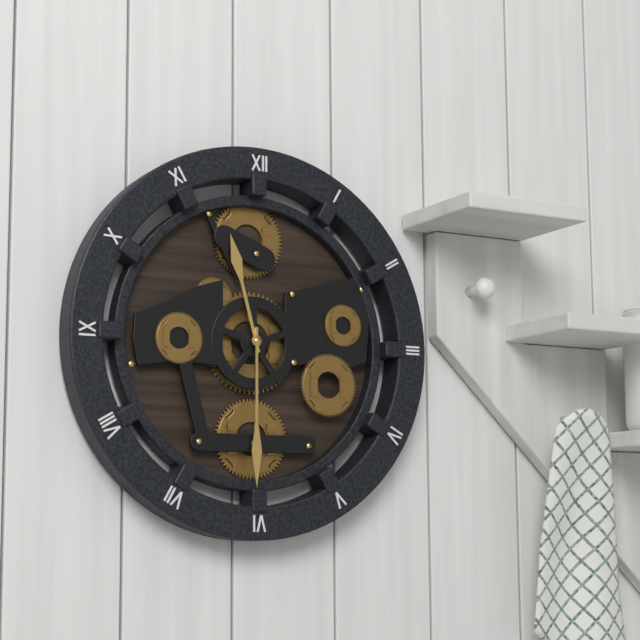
11:30
